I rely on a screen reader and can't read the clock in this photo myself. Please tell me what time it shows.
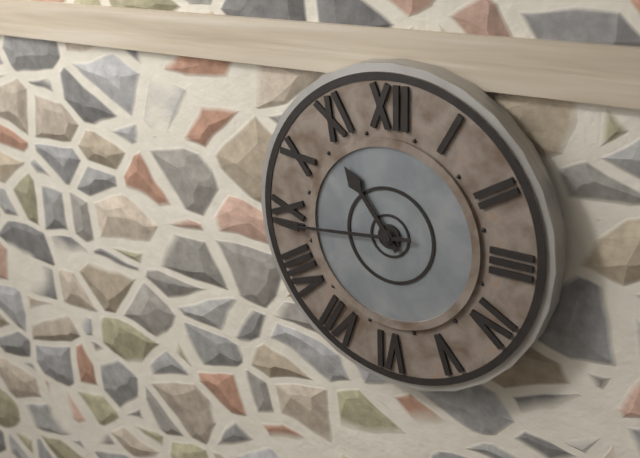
10:44
